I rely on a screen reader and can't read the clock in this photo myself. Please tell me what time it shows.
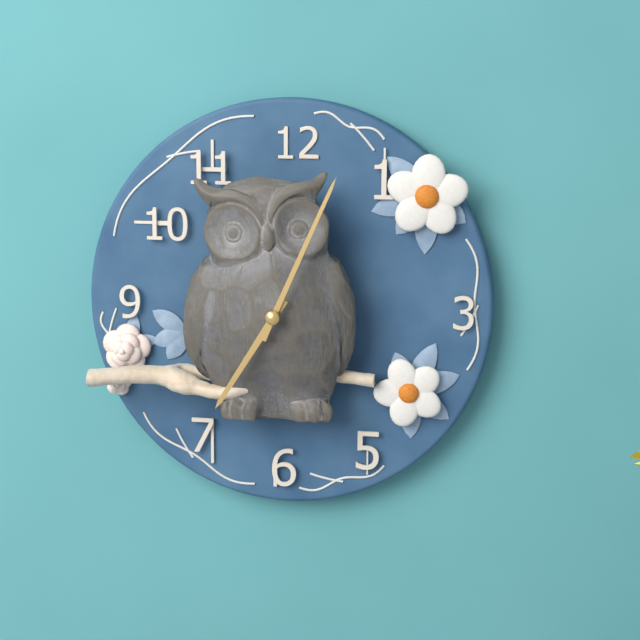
7:04
